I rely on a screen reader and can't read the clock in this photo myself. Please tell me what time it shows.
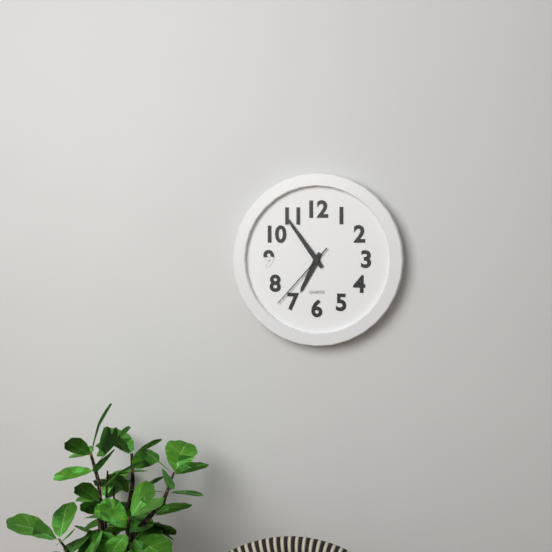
6:54:37
